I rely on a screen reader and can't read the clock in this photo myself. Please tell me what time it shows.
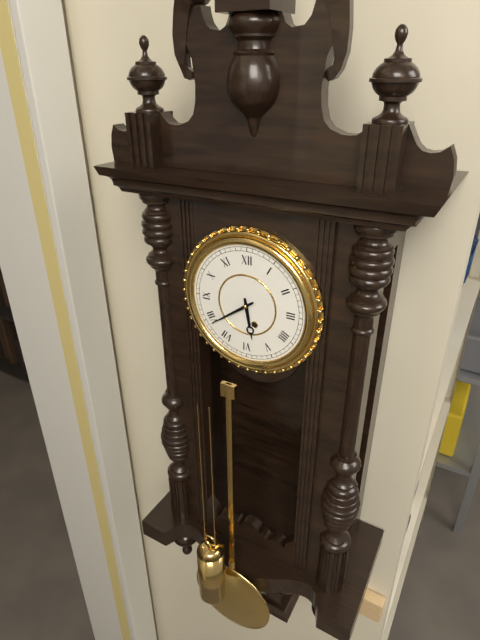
5:39
